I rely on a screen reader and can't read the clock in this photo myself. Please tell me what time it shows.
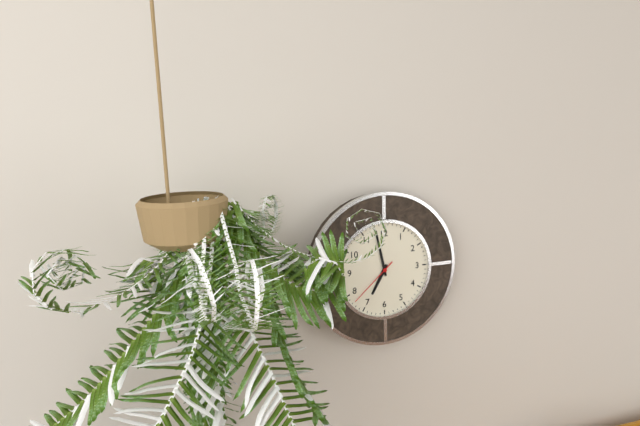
6:58:38
